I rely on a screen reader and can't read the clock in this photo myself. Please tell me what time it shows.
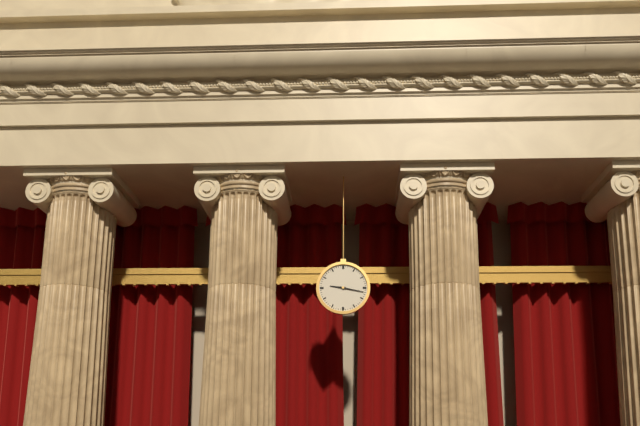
9:17
